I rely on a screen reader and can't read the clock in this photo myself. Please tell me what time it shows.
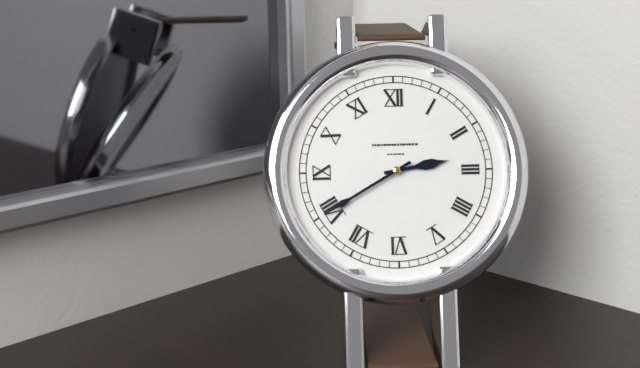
2:40
